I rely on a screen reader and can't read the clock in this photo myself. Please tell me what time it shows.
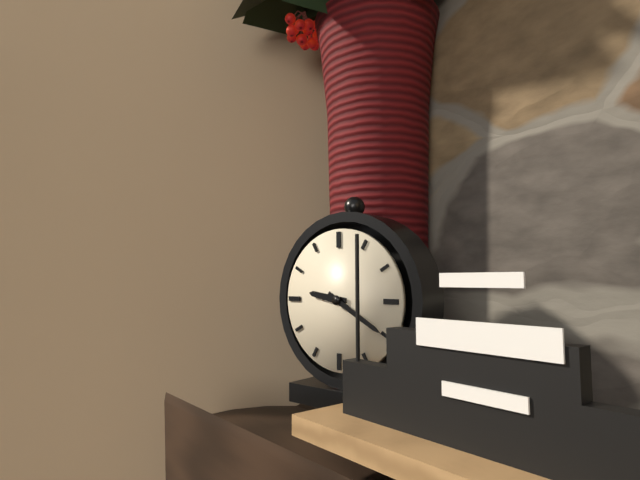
9:20
